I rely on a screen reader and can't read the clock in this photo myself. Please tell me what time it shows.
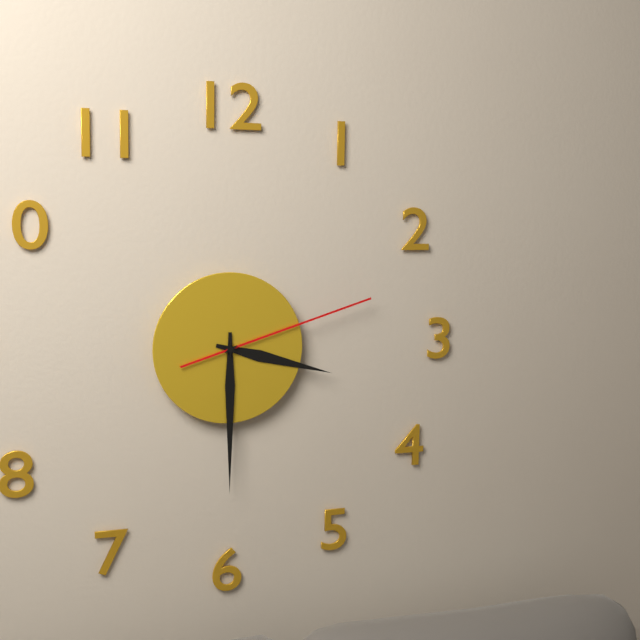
3:30:12
